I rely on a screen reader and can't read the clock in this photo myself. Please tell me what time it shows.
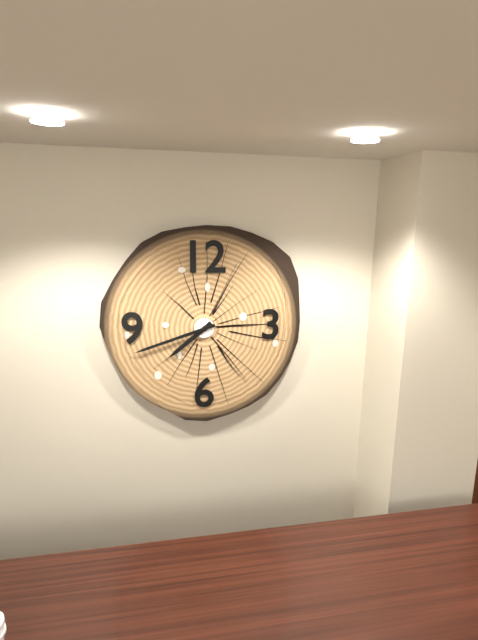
7:42
